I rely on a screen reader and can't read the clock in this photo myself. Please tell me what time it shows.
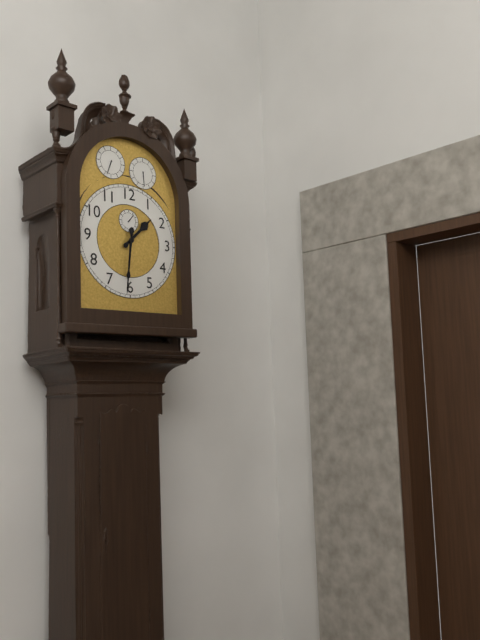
1:31
